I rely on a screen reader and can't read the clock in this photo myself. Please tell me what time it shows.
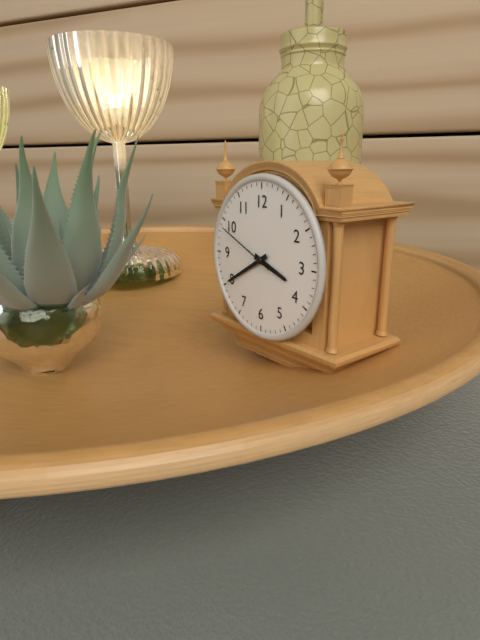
3:40:49
